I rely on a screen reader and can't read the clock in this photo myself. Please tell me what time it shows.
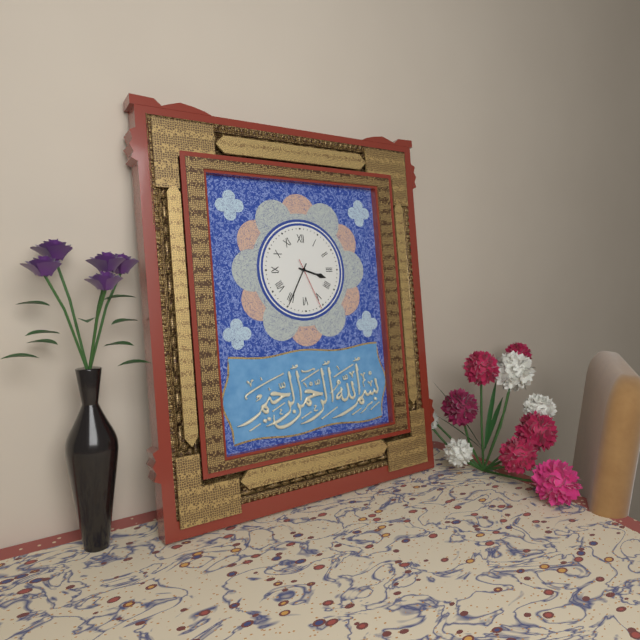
3:35:26
